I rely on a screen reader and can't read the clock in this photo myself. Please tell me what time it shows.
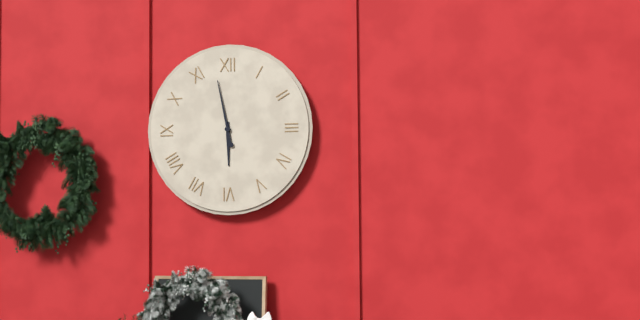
5:58
